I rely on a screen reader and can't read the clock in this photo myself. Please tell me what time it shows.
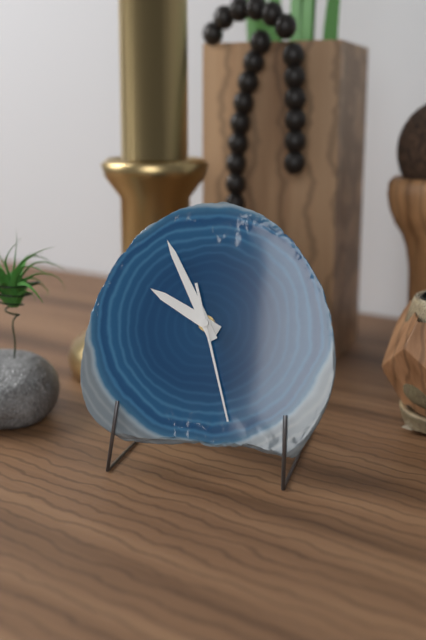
9:55:27
